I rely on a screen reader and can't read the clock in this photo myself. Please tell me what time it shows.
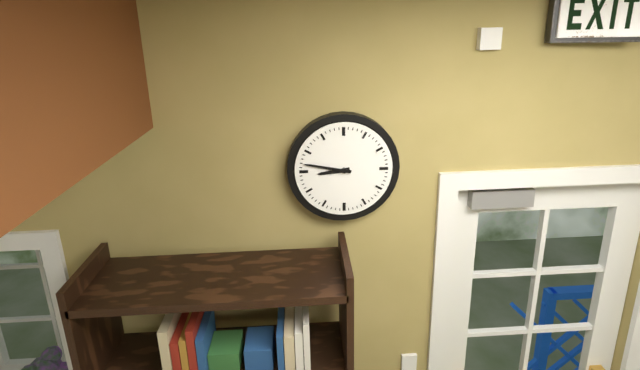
8:47
